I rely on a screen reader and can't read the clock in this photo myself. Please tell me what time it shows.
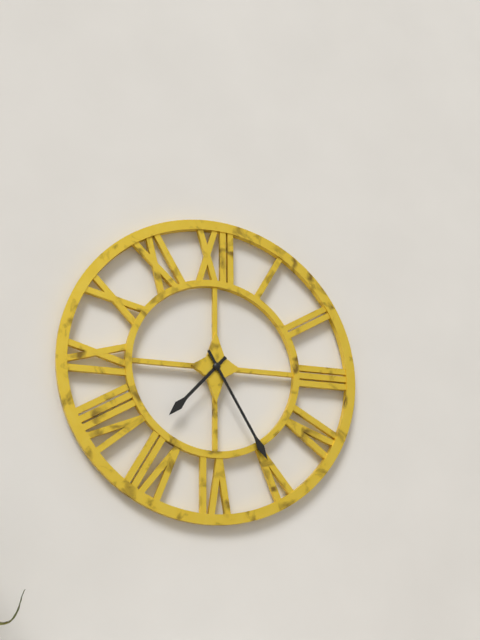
7:25
